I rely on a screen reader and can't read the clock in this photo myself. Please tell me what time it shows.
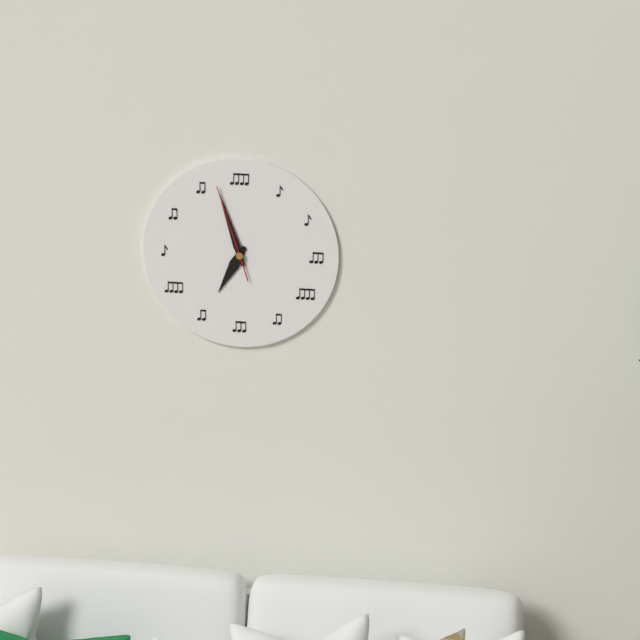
6:57:57
